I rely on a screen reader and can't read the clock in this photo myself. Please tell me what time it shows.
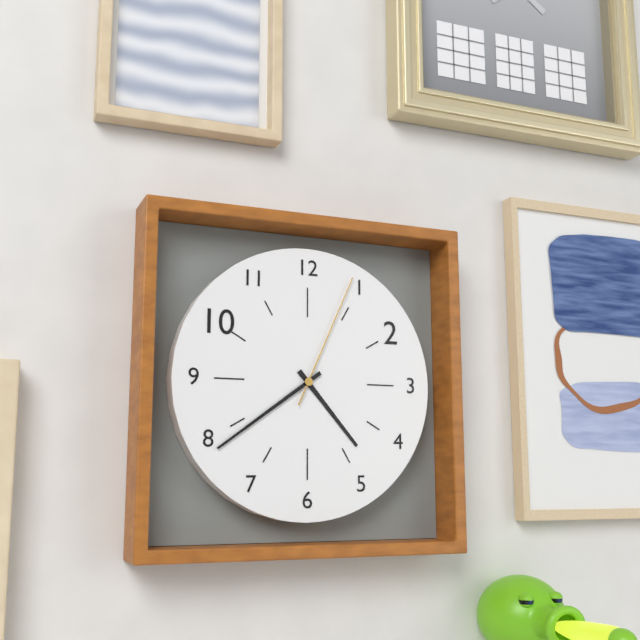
4:39:04
